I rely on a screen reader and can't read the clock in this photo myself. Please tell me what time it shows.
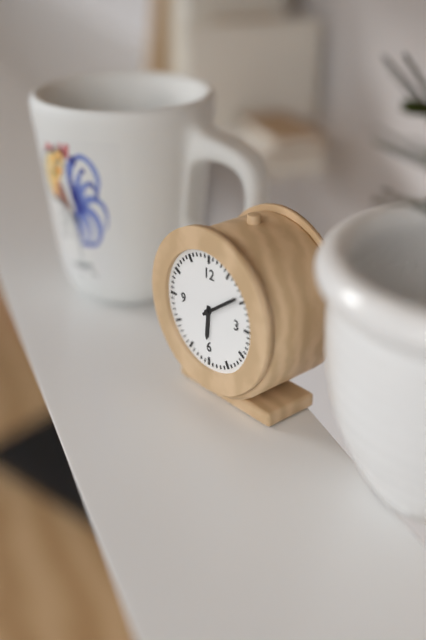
6:09
